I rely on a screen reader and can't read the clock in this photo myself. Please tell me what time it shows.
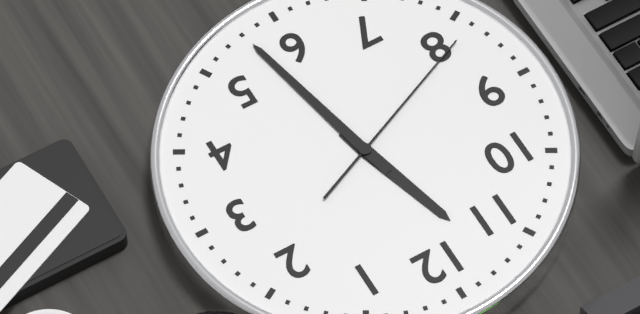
11:28:41
